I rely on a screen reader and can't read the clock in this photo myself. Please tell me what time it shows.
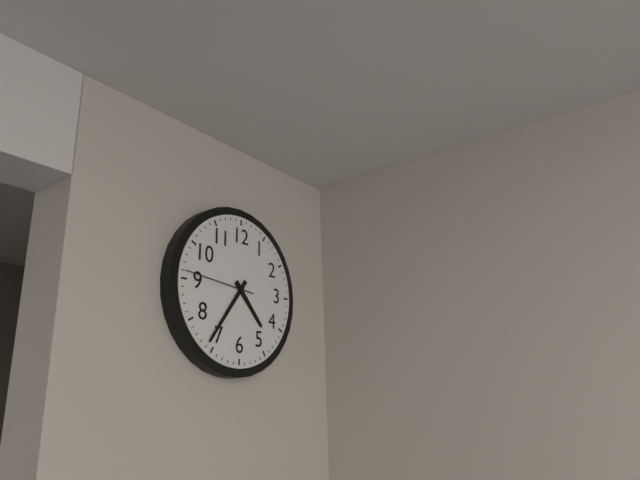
4:36:46
